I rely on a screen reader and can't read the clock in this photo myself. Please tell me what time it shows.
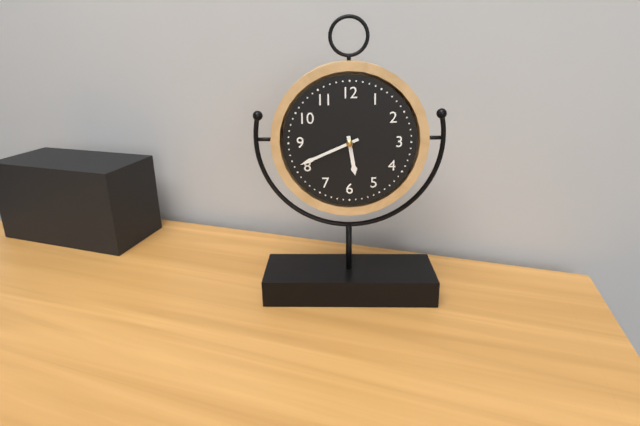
5:41
